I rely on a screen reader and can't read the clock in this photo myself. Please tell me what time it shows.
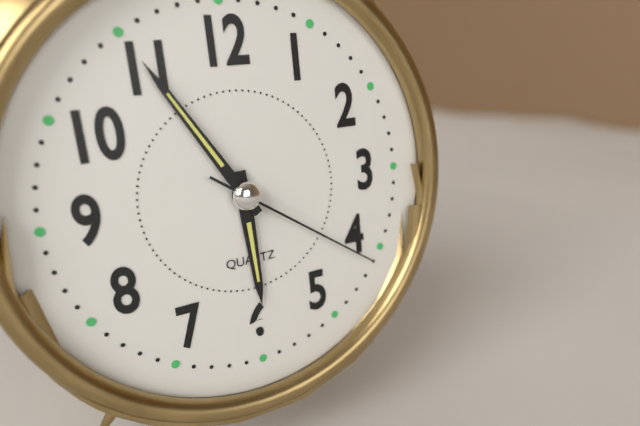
5:55:21
